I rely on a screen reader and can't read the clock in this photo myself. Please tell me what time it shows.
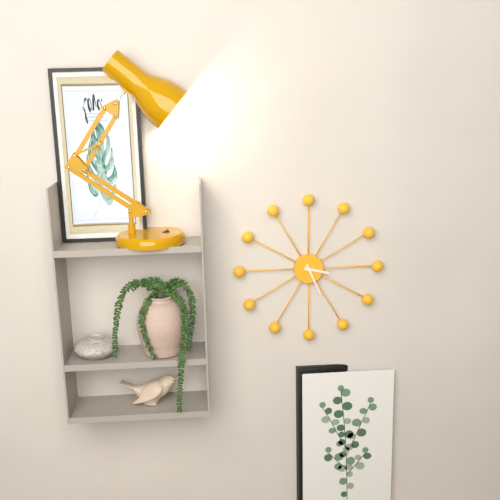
3:26
